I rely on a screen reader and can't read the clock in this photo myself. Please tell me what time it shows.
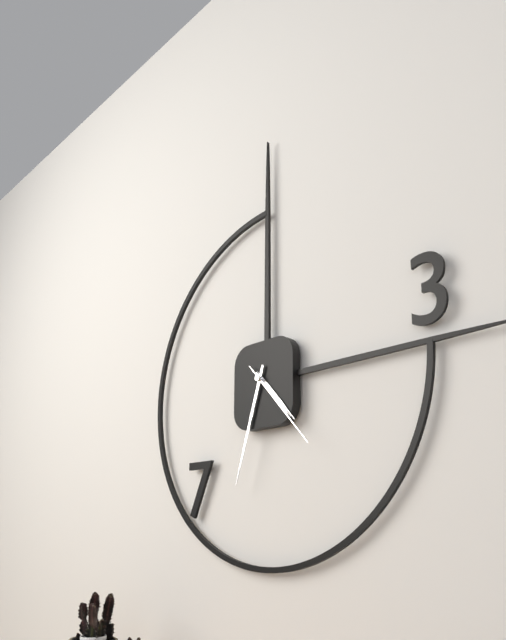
4:33:23
